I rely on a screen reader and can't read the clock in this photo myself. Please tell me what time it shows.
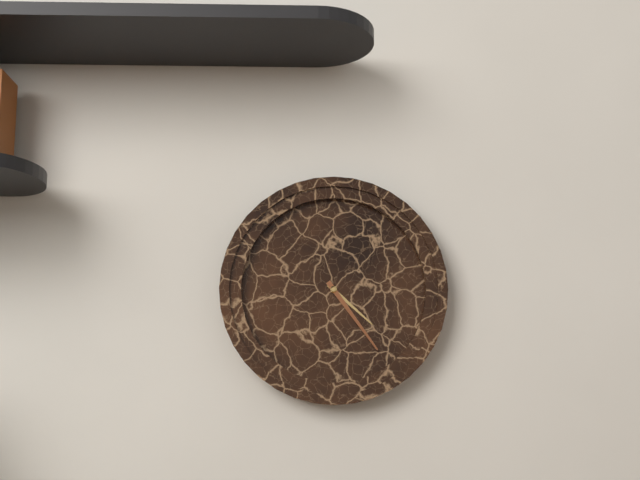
4:24
